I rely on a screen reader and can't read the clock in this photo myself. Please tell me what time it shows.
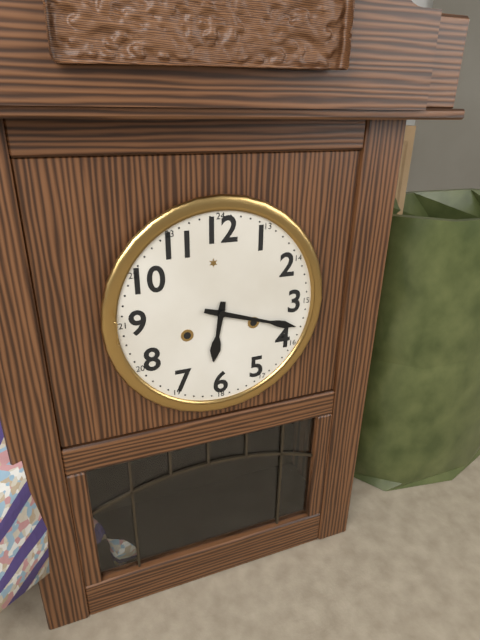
6:18
